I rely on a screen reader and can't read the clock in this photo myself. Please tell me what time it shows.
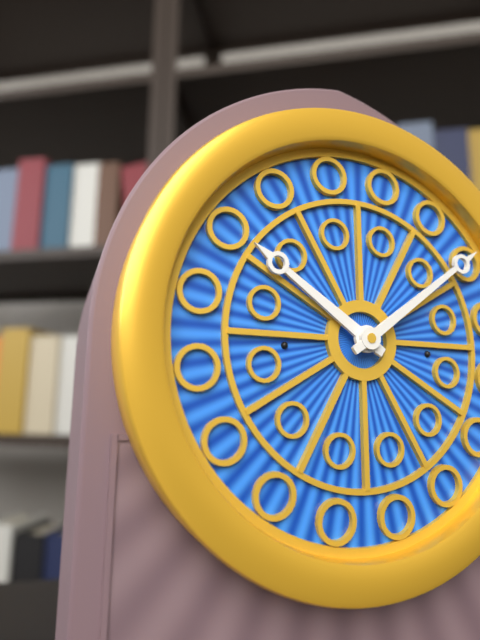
10:09
